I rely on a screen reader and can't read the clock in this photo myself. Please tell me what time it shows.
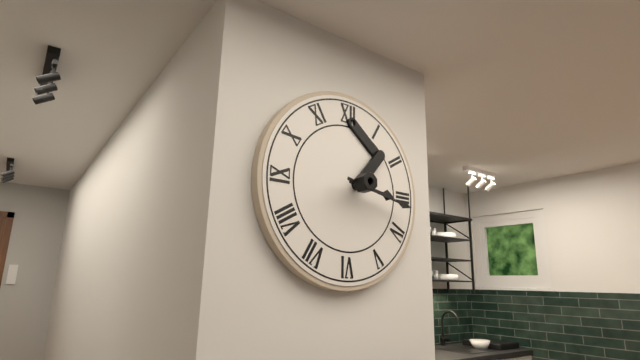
3:17
